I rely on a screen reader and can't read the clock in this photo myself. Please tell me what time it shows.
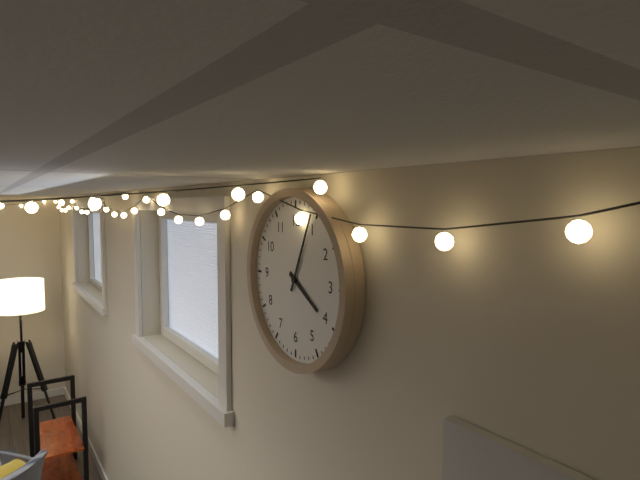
4:04
